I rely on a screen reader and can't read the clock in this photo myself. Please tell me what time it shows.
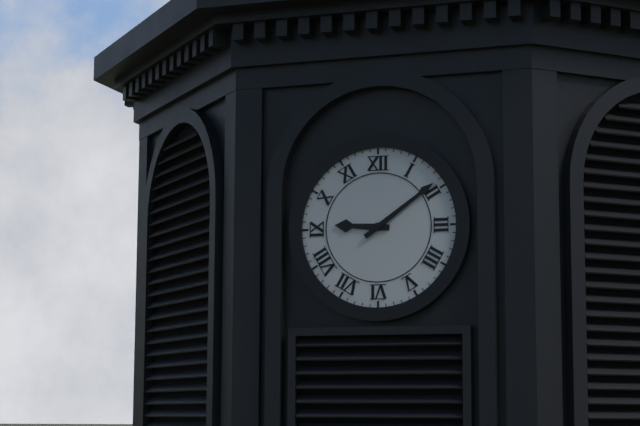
9:09
